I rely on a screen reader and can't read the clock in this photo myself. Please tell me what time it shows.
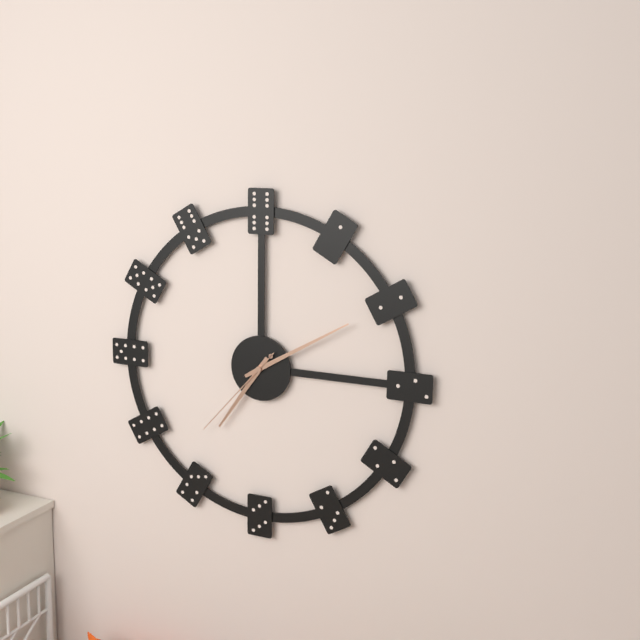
7:10:37
